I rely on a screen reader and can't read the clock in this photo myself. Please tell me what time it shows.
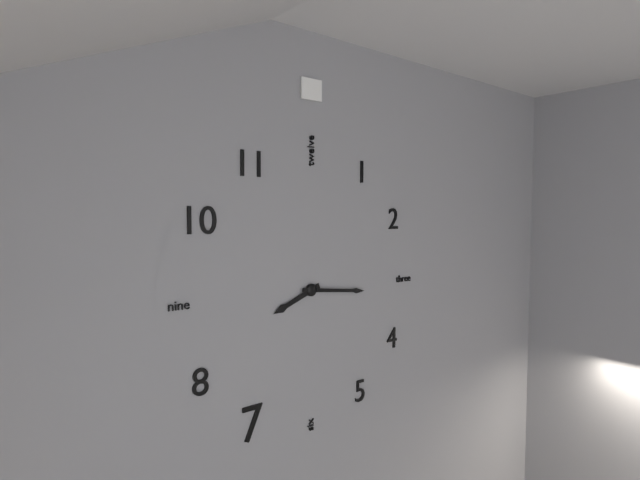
8:16
